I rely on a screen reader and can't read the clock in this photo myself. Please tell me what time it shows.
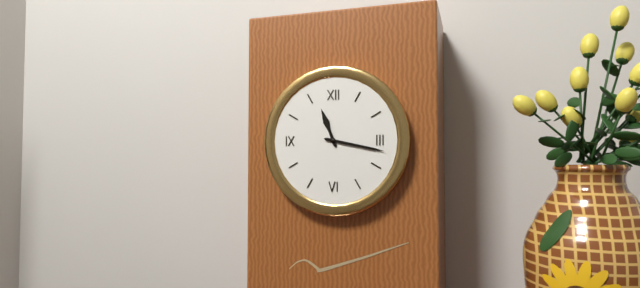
11:17
